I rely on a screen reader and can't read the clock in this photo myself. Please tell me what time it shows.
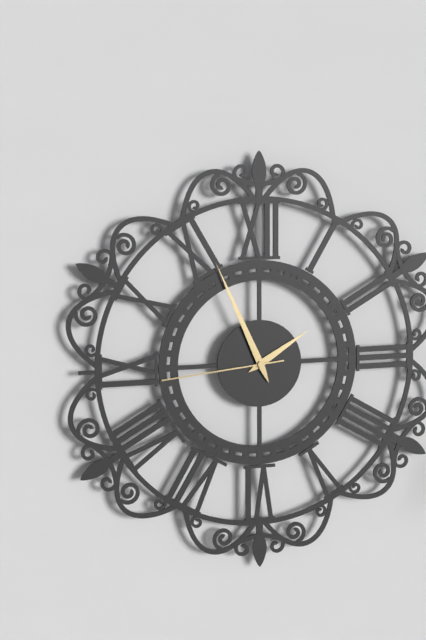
1:56:44
